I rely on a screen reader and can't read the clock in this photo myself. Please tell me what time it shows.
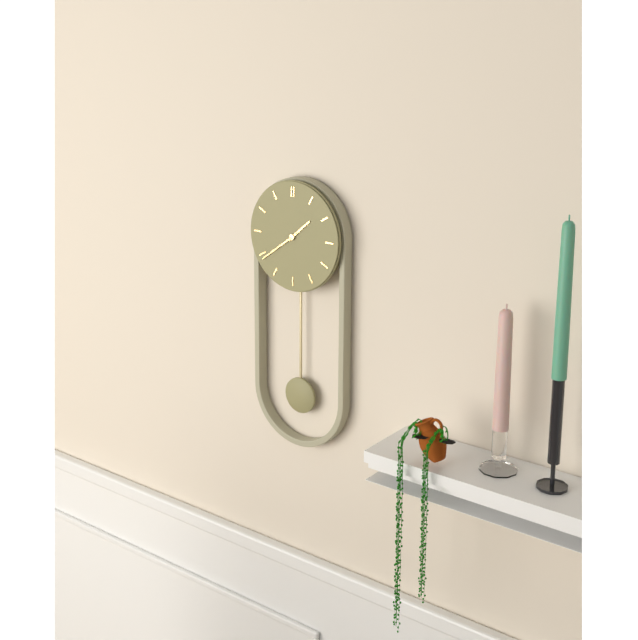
1:39
